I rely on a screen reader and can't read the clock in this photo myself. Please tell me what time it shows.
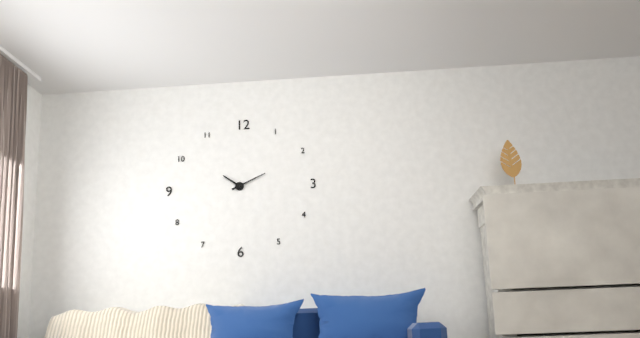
10:11
